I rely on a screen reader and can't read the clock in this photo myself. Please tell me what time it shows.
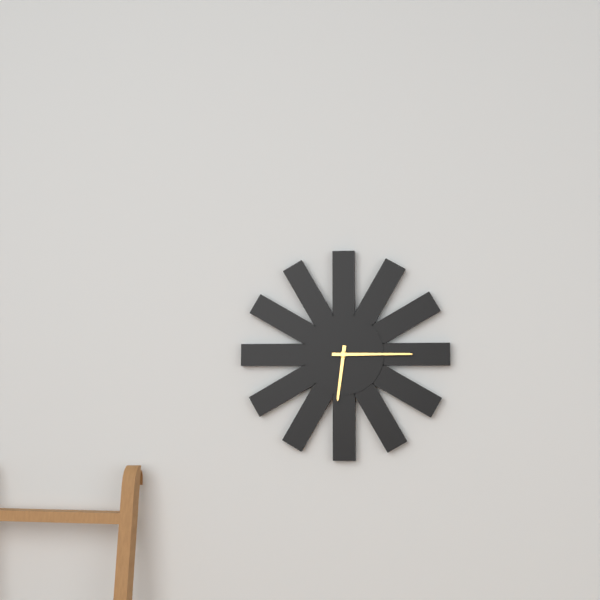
6:15
